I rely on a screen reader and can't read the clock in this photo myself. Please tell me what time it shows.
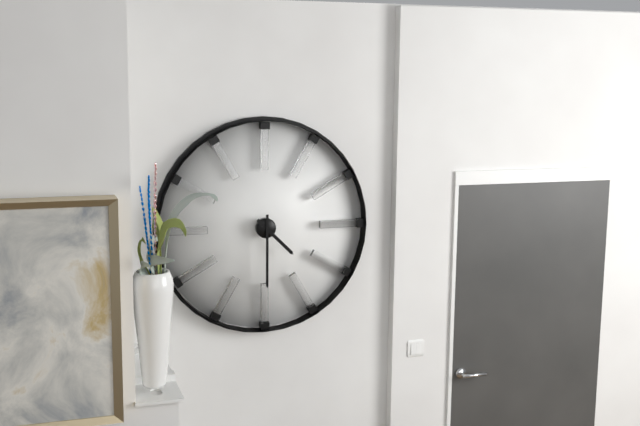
4:30
